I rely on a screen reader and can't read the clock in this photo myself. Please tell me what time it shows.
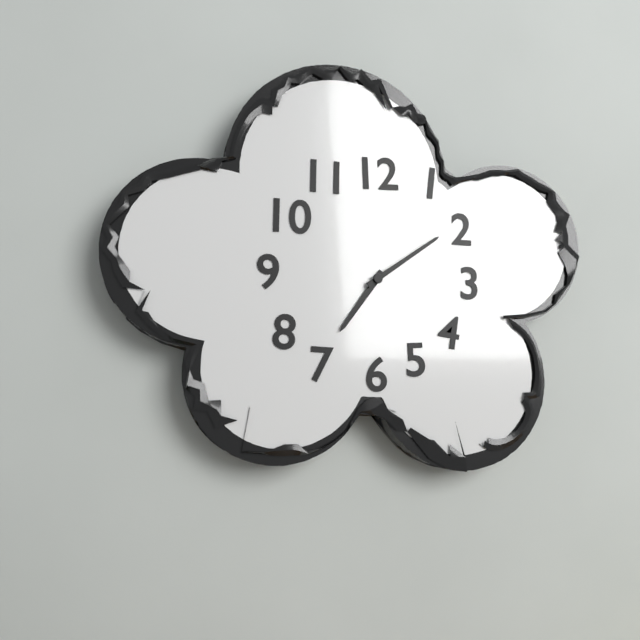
7:09
